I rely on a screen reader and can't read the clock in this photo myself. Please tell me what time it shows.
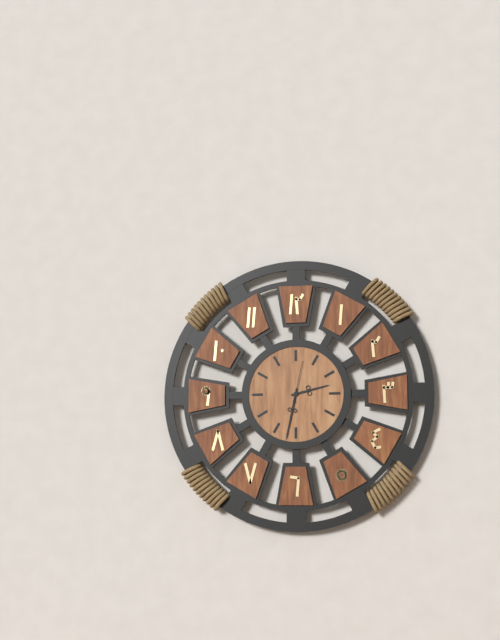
2:32
